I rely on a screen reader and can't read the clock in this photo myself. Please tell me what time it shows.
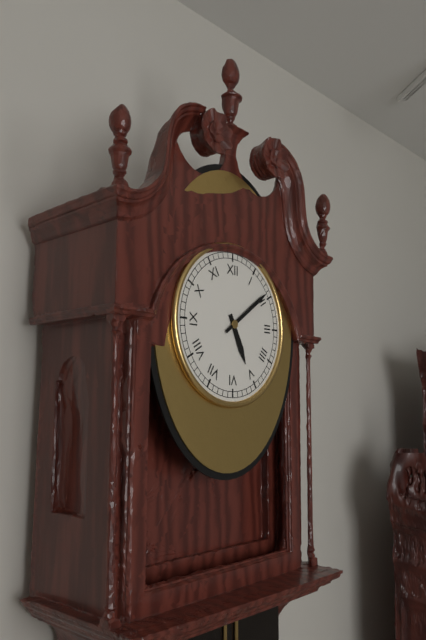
5:09
